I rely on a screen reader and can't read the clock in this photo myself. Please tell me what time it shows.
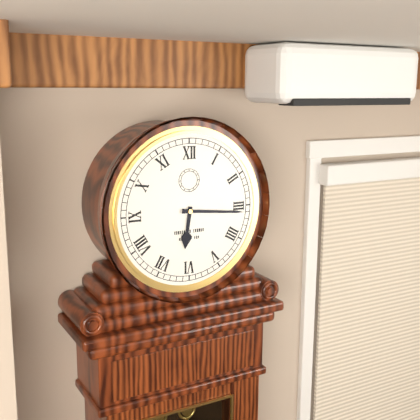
6:16
